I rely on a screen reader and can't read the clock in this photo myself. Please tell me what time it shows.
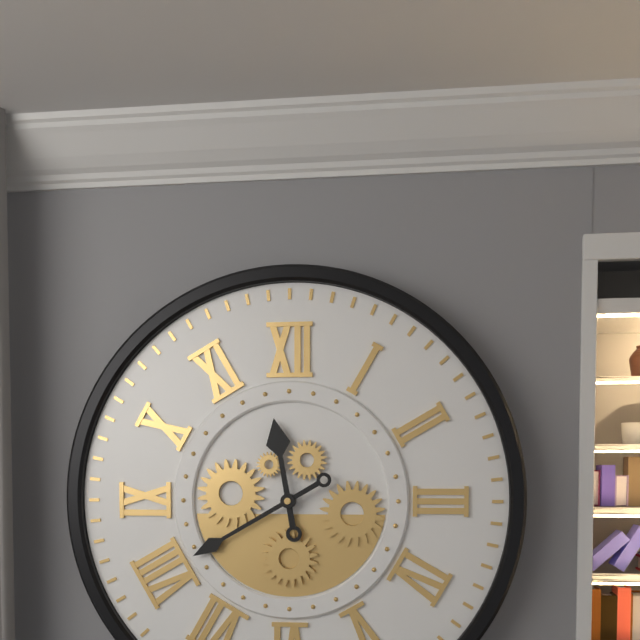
11:40
